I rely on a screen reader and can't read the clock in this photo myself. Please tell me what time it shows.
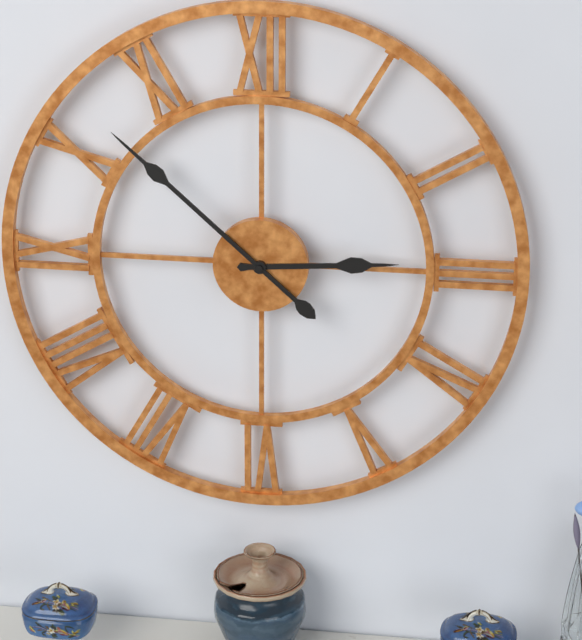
2:52
